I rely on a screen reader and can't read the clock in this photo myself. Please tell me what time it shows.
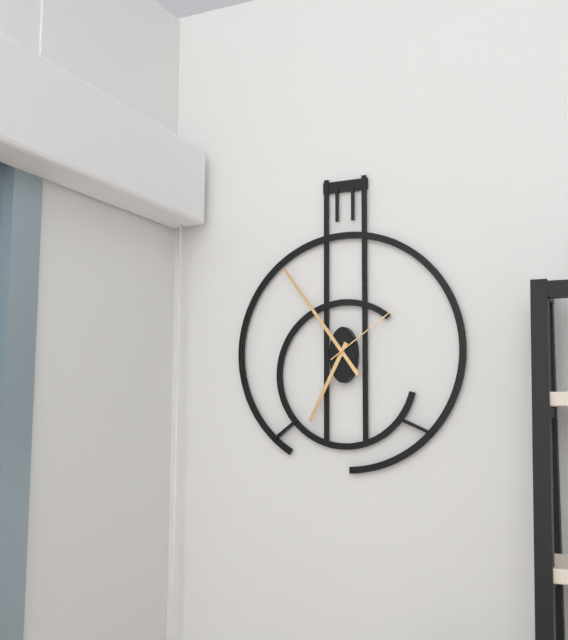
6:54:09
